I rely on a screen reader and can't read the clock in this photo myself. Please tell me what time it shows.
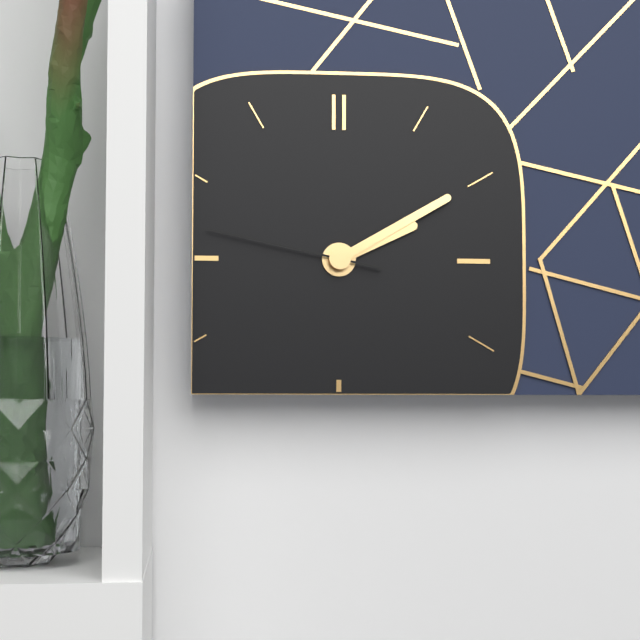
2:10:47
